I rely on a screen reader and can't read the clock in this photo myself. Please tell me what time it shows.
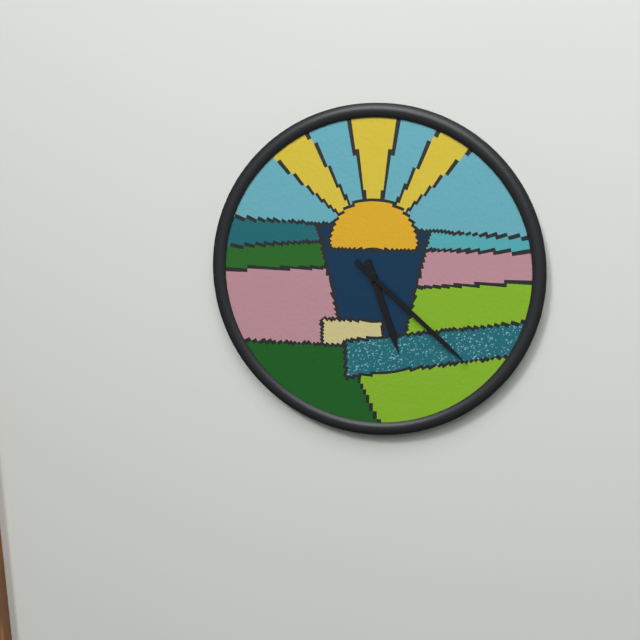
5:22
